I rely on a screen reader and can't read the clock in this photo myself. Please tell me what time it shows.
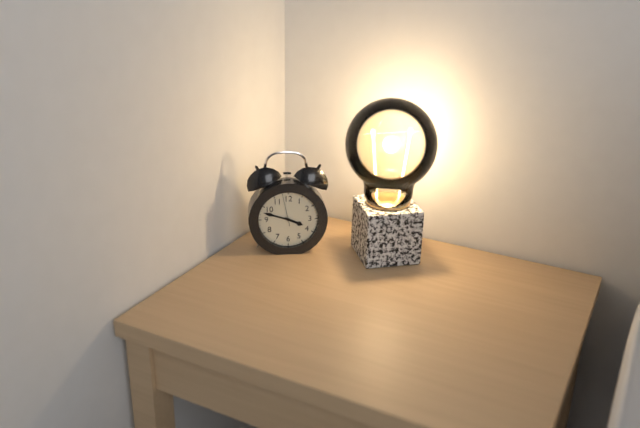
3:48
